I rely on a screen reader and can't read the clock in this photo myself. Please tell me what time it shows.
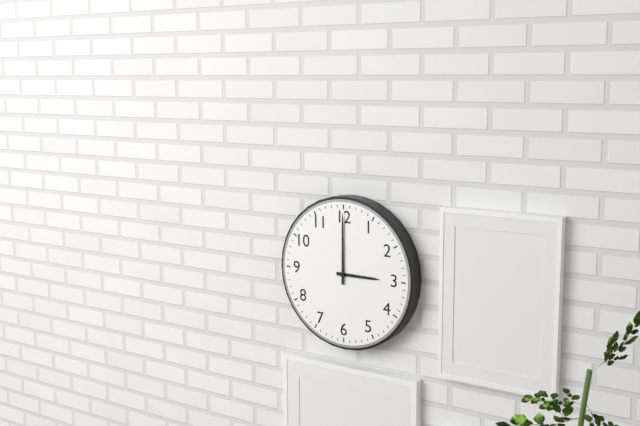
3:00
